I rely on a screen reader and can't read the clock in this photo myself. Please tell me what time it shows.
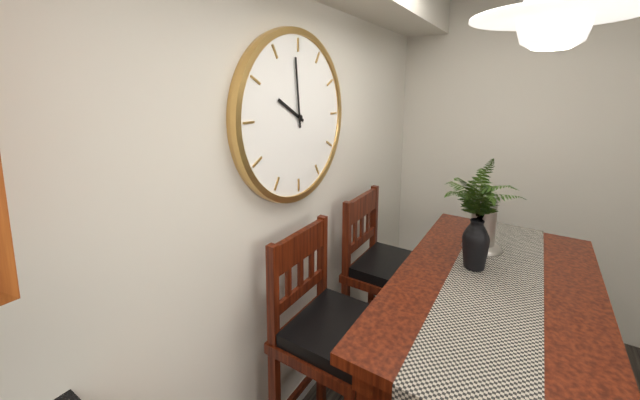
9:59
